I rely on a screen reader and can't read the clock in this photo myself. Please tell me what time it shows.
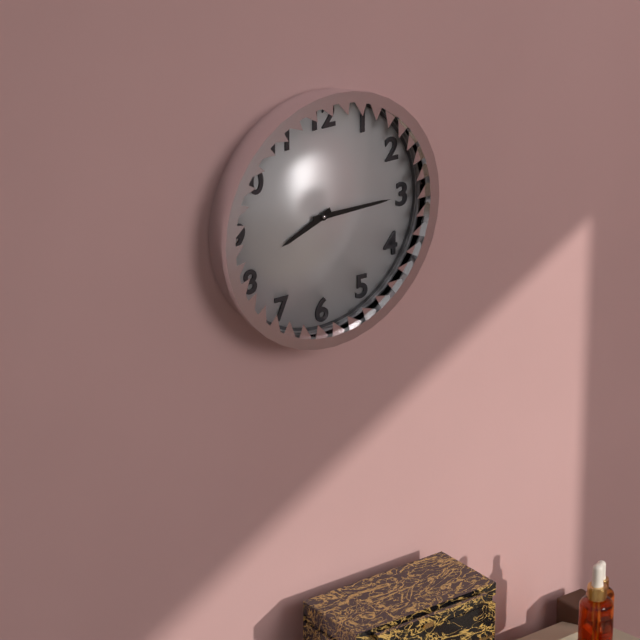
8:15
